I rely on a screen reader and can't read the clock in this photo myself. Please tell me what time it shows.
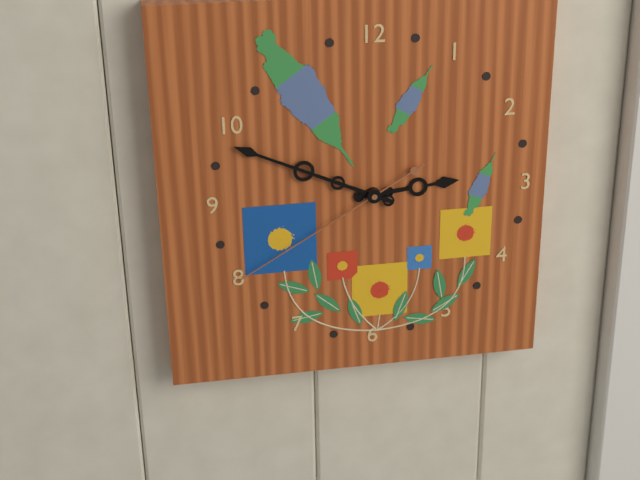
2:49:40
